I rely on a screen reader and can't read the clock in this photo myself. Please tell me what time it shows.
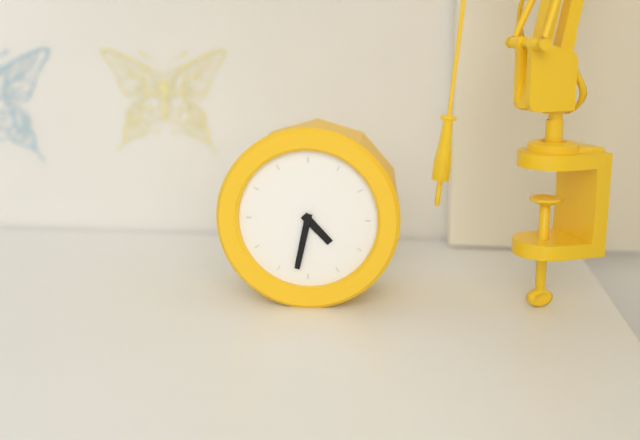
4:32
